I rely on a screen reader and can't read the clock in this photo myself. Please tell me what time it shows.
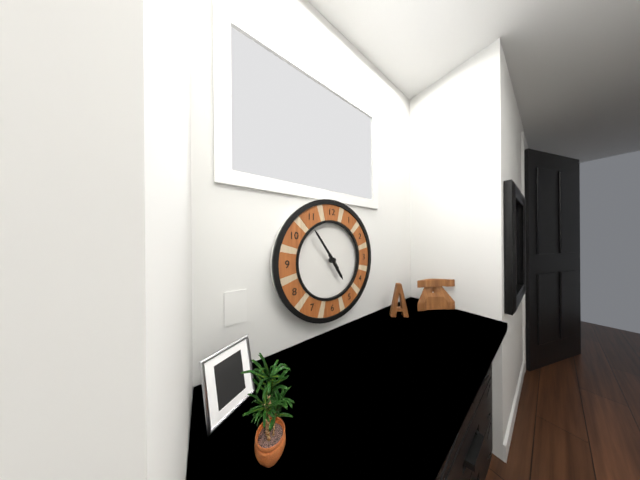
4:54
